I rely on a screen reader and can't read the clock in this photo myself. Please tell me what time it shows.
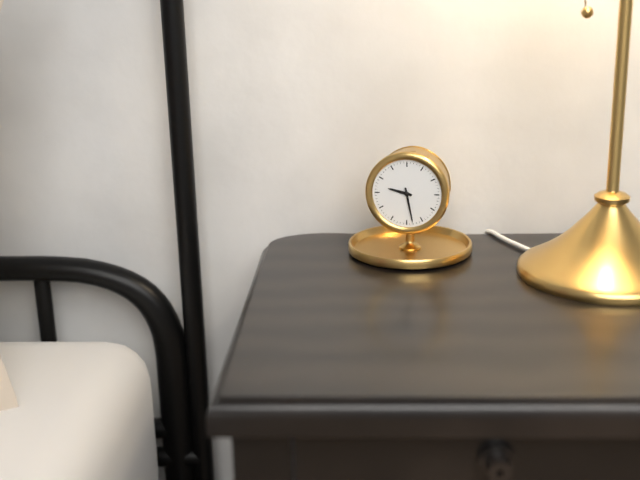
9:28
